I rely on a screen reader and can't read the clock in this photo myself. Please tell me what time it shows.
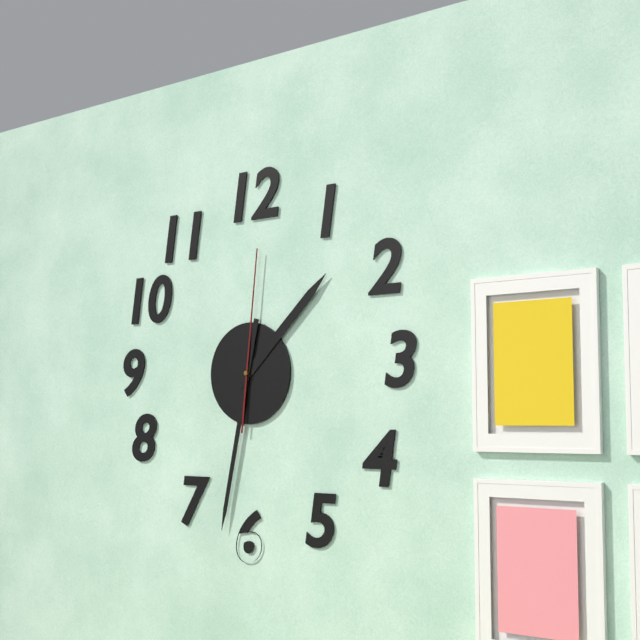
1:32:01
